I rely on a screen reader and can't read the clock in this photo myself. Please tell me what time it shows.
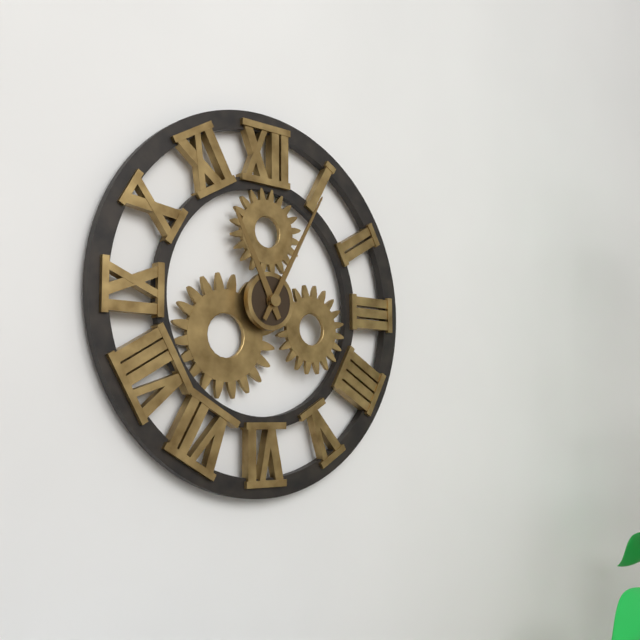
11:05
